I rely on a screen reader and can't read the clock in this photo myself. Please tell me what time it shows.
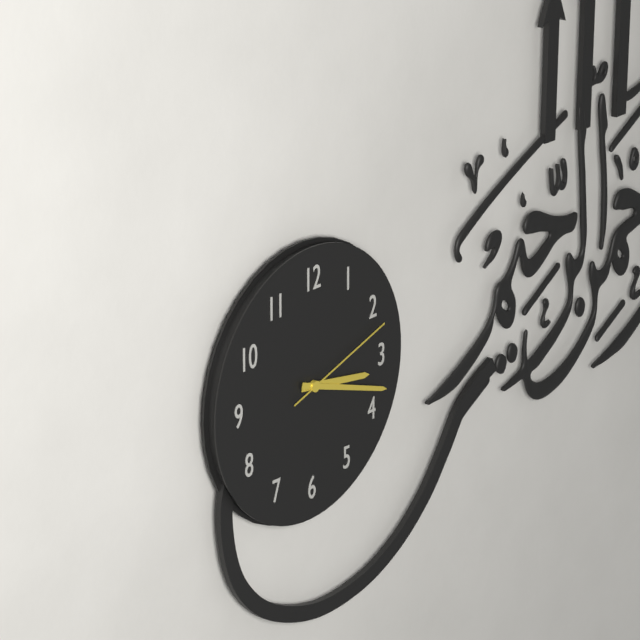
3:18:12
